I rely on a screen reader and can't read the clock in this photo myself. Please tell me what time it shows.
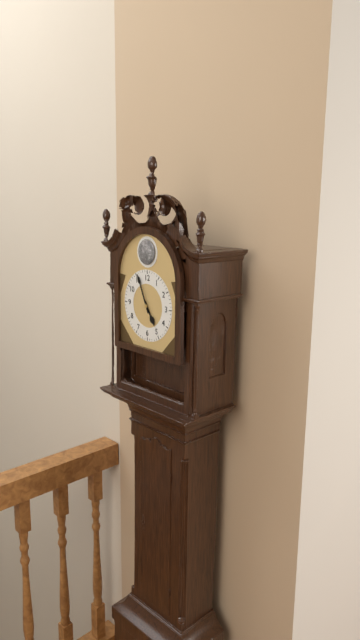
4:56
